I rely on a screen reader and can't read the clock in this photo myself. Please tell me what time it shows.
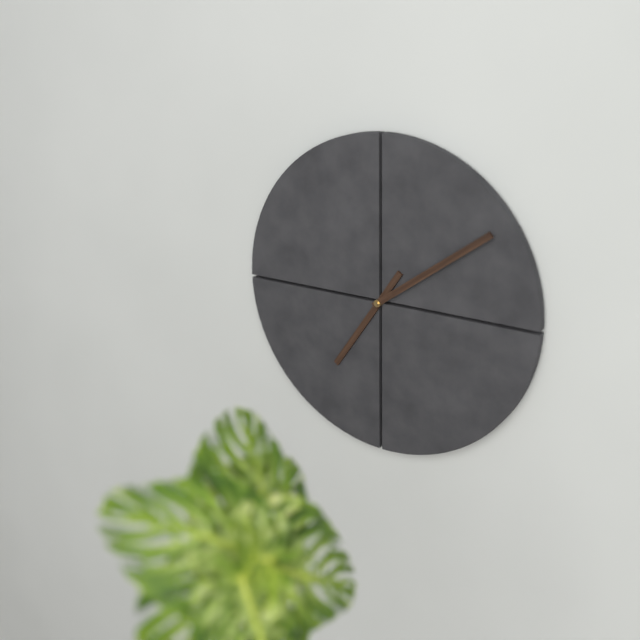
7:09
